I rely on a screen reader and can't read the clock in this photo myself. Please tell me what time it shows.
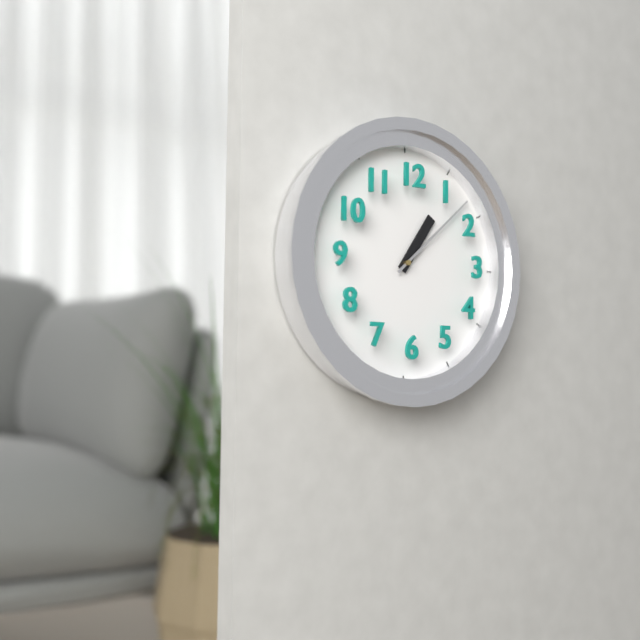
1:08
